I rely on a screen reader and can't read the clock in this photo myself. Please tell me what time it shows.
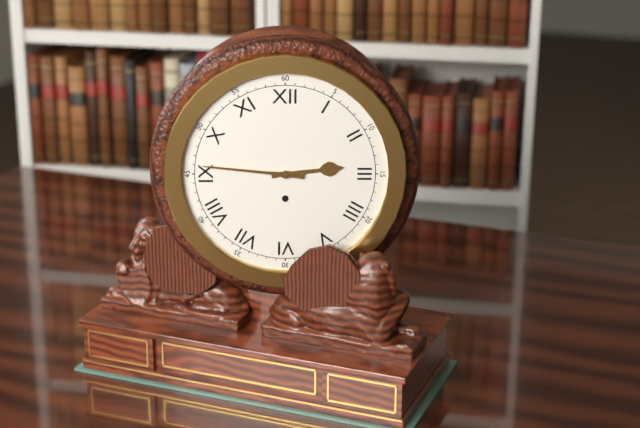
2:46
